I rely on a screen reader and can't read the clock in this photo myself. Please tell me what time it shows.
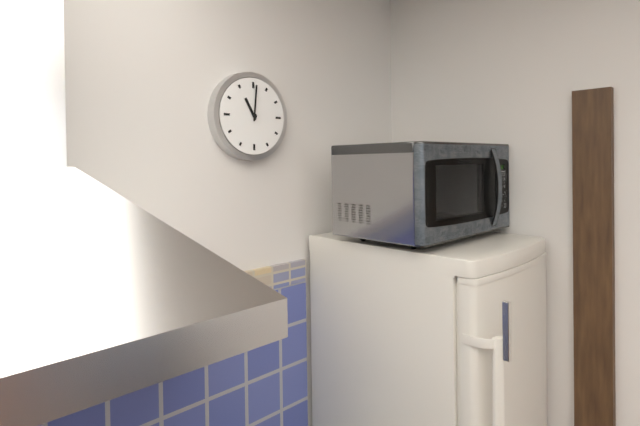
11:01
